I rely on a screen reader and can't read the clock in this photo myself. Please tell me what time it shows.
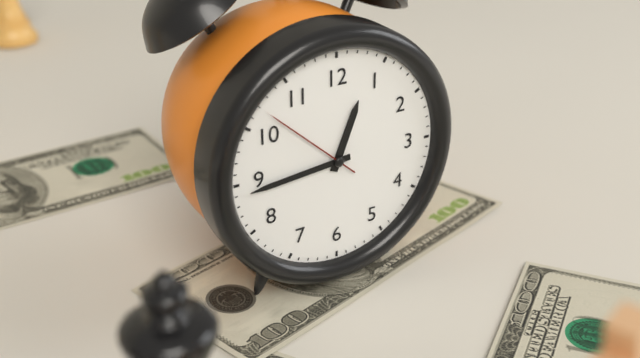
12:44:52
